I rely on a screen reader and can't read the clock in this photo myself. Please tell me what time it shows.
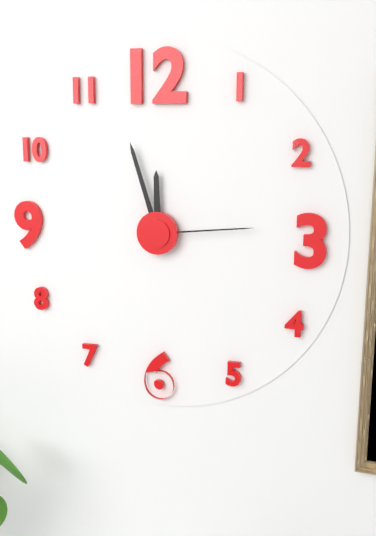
11:57:14
